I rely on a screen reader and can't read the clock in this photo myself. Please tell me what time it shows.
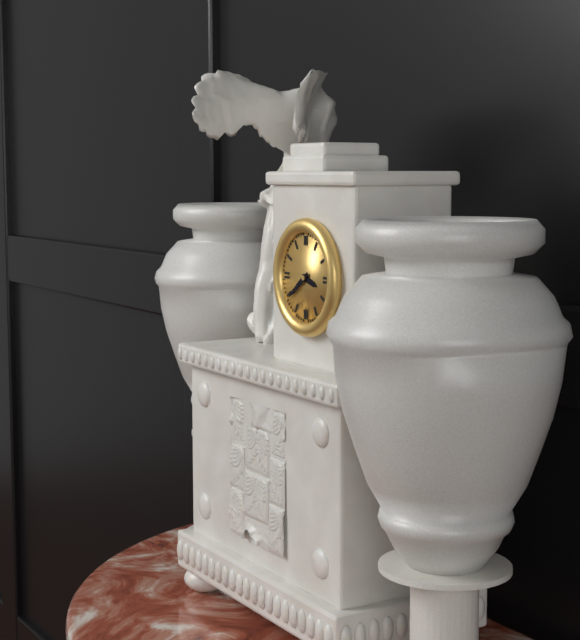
3:39
